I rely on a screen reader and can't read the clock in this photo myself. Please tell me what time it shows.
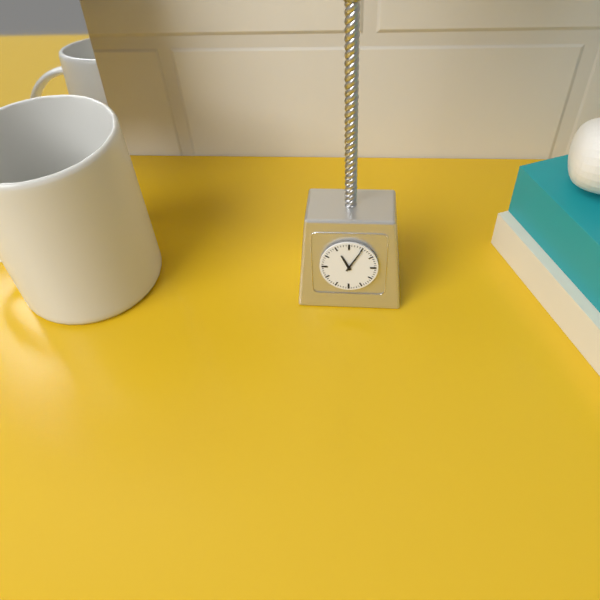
11:05
